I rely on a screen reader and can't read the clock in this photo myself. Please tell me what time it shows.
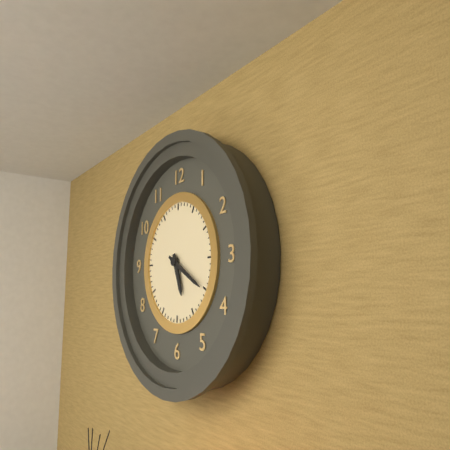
5:20
